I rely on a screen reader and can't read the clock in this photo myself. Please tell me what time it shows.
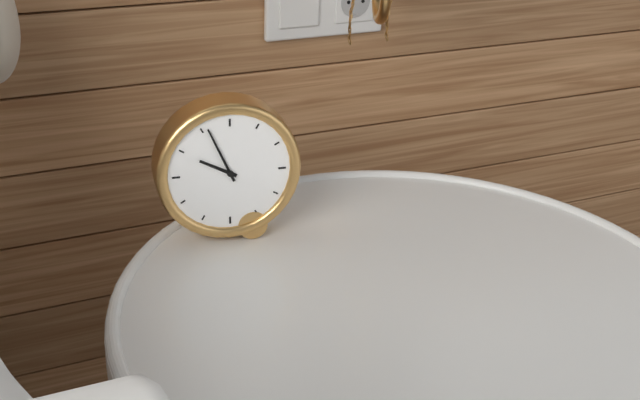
9:56
